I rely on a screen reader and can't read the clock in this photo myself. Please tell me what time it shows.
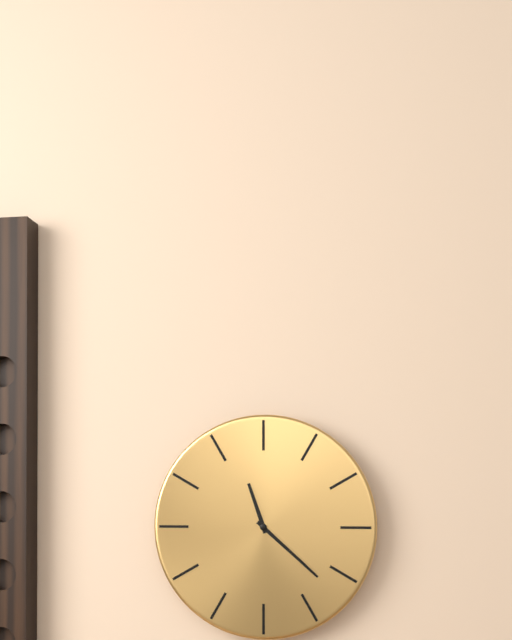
11:22
